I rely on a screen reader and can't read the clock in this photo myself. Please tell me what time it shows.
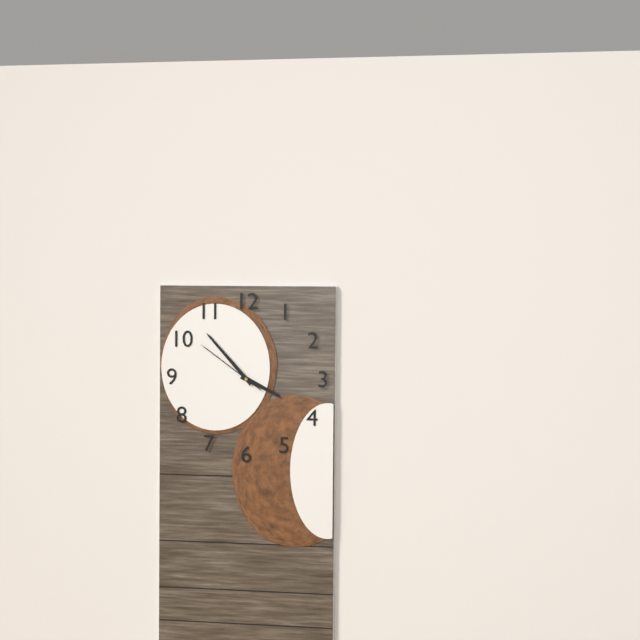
3:53:51
